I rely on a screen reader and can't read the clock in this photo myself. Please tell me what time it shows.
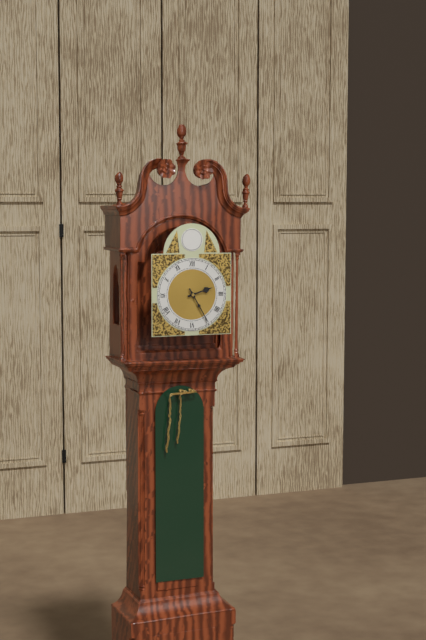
2:25
